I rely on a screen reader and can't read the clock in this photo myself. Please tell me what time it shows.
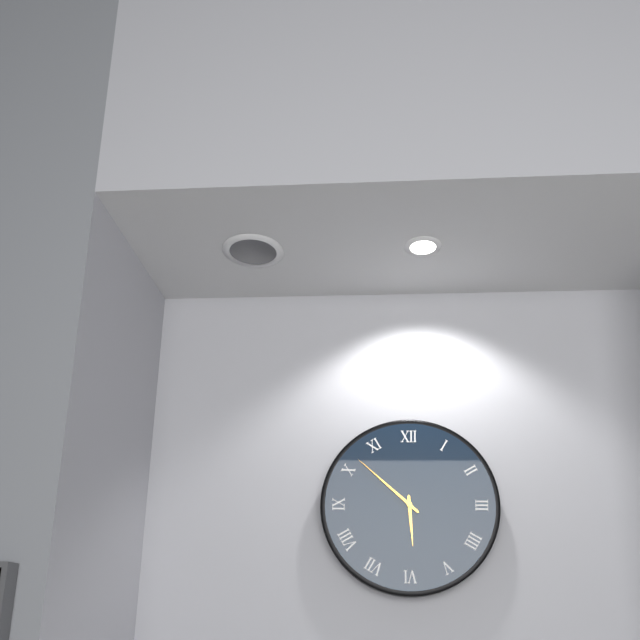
5:52
